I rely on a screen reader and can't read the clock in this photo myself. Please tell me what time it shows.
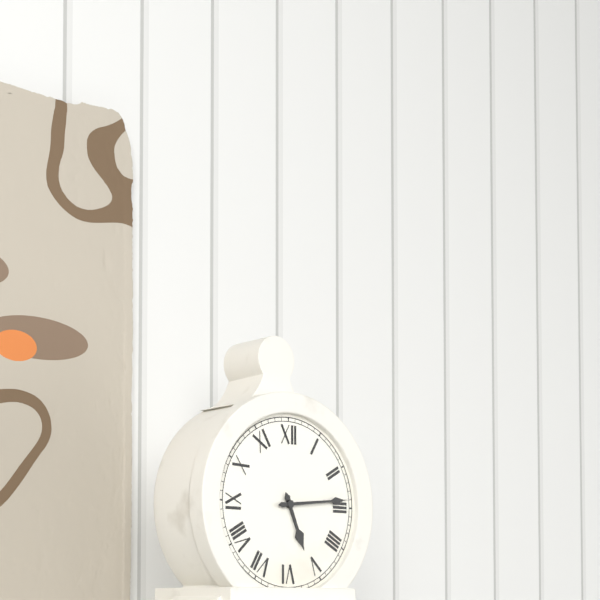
5:14
